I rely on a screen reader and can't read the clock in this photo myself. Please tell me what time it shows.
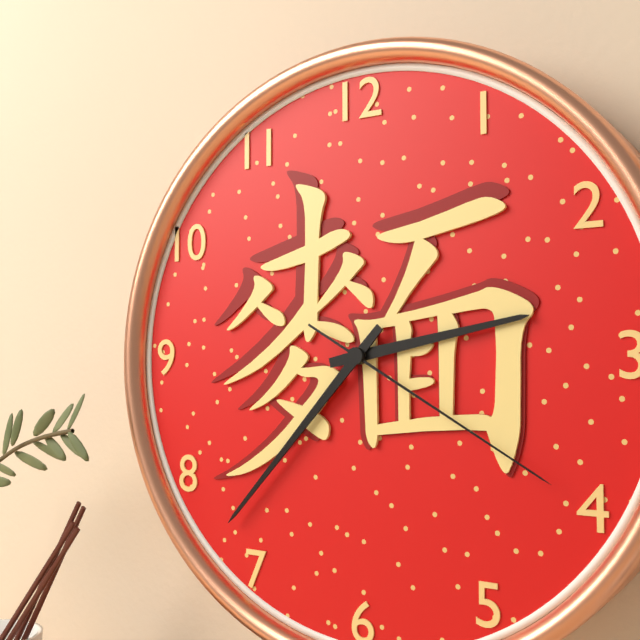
2:37:20
